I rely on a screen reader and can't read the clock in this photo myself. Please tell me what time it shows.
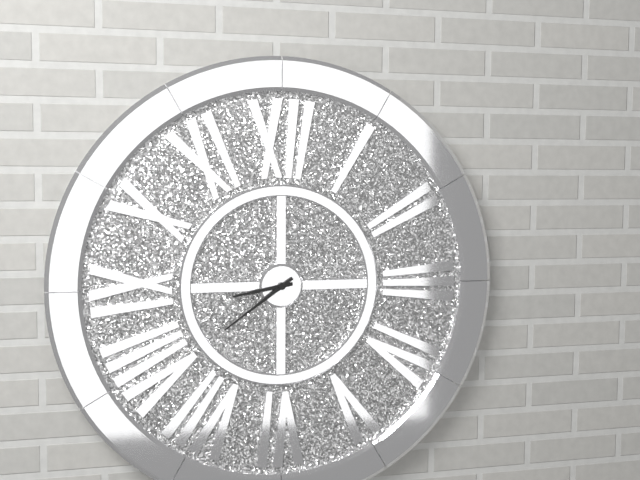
8:39
